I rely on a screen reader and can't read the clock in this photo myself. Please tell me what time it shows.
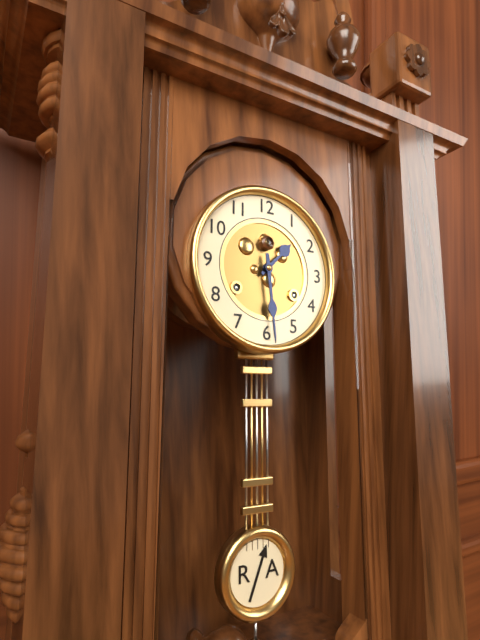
1:29
